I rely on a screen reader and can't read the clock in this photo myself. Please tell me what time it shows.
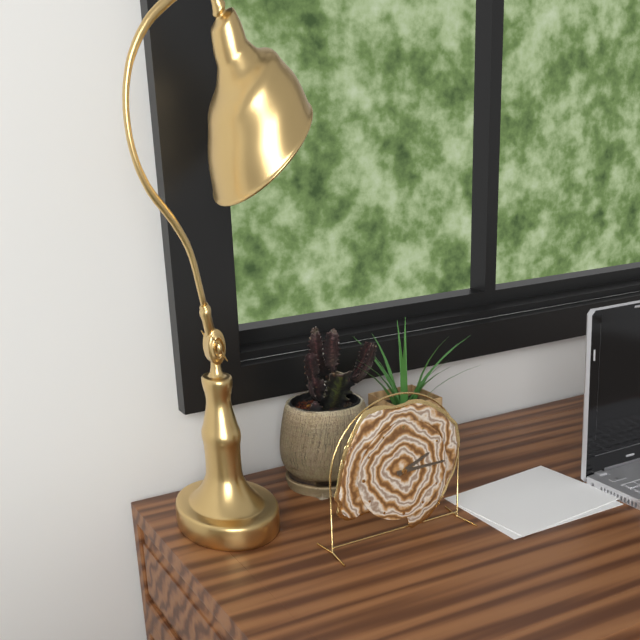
2:15
